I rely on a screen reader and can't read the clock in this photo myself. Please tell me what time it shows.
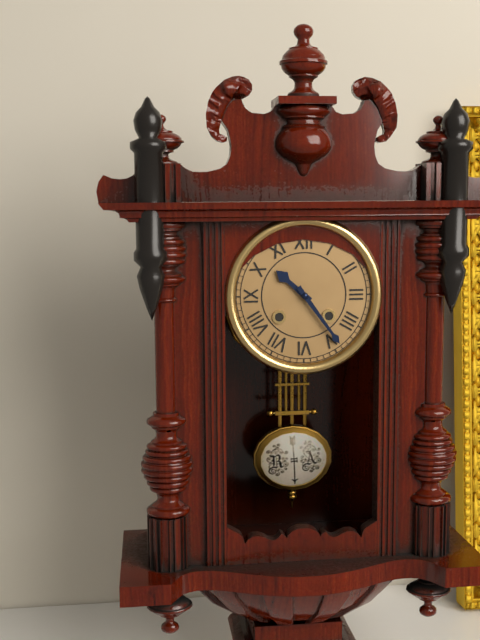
10:24
